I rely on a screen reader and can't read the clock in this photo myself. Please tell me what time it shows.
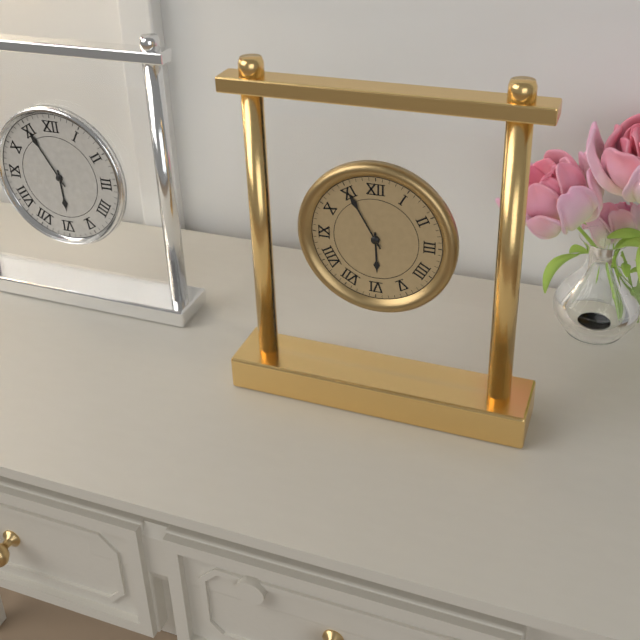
5:55
